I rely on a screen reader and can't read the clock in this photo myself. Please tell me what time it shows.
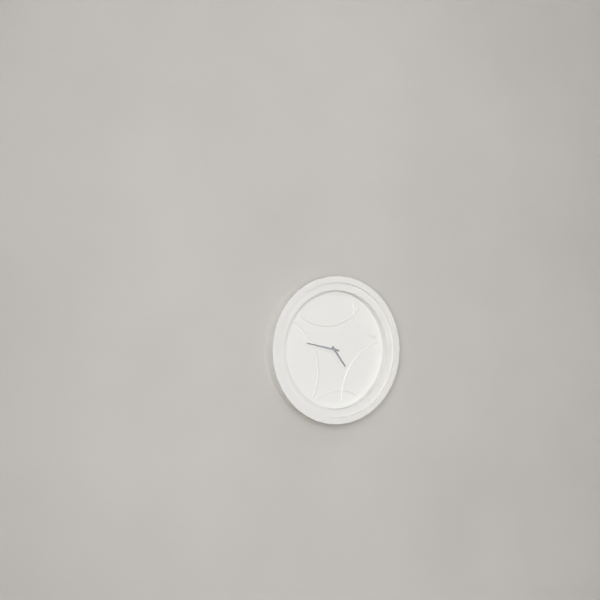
4:47
